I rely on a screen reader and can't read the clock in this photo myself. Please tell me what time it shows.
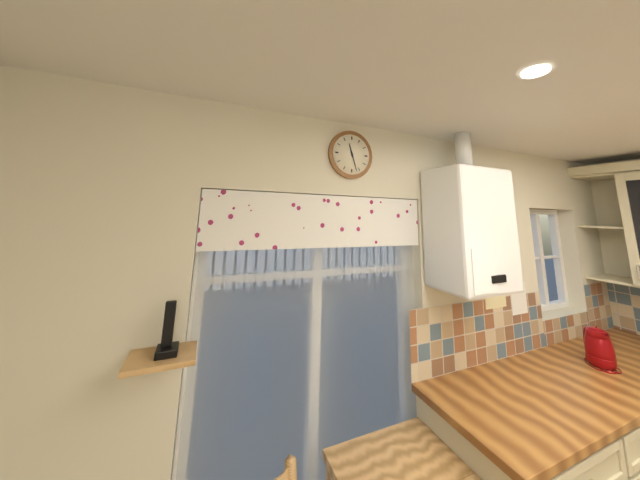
11:27
